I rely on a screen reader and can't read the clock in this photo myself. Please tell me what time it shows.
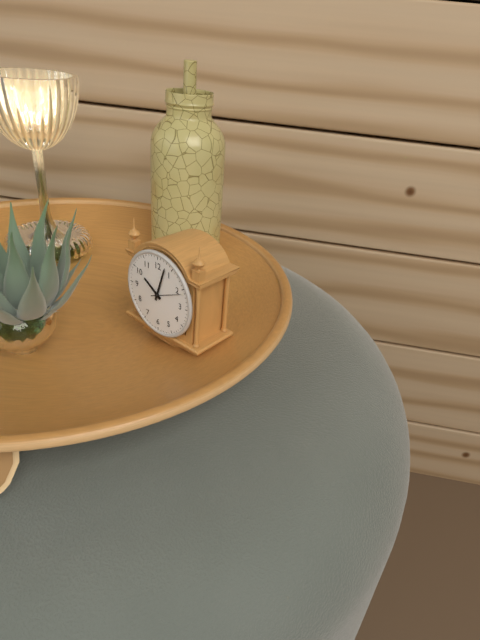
10:03
